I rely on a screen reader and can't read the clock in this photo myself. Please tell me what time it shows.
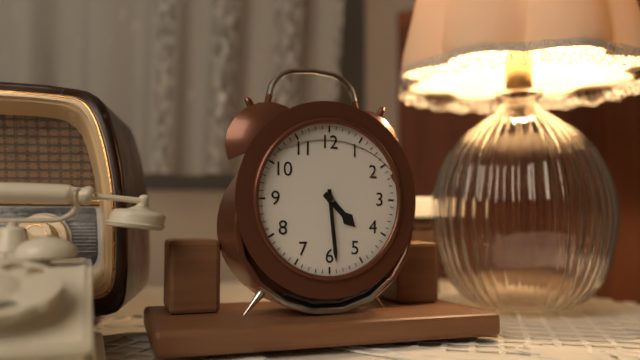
4:29
